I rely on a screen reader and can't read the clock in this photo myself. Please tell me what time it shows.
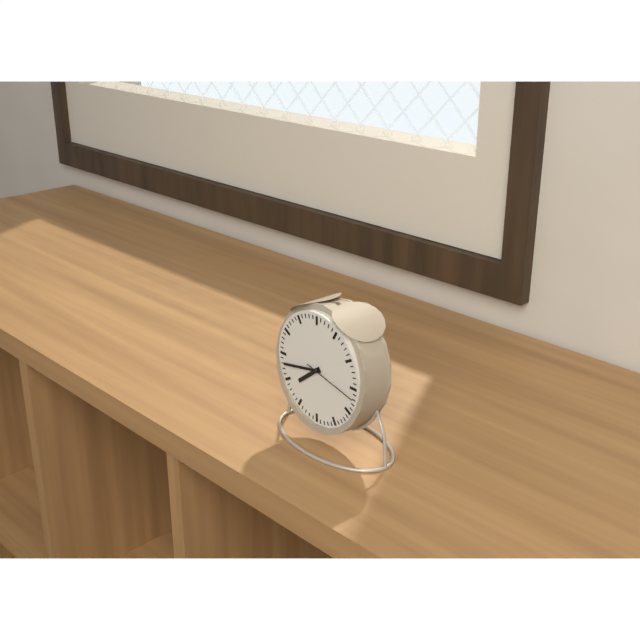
7:43:17
